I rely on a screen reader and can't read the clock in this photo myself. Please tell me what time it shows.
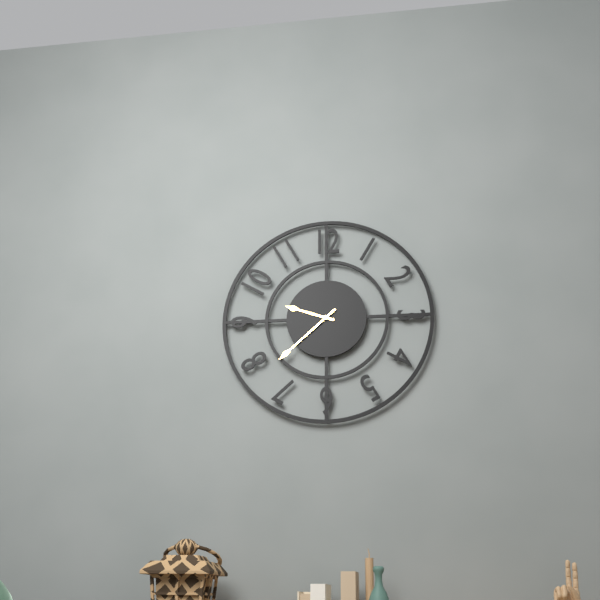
9:38
